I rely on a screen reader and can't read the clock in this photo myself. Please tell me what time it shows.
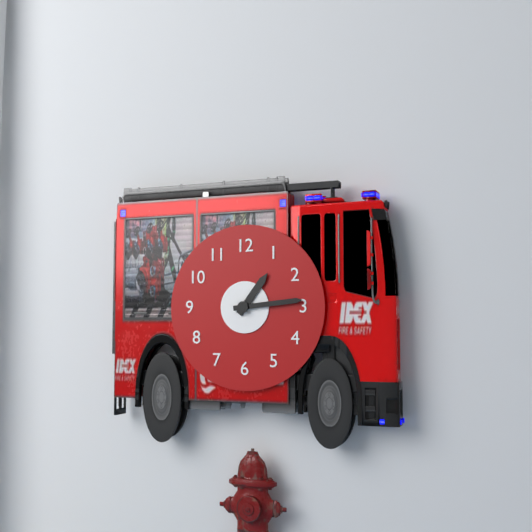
1:14
